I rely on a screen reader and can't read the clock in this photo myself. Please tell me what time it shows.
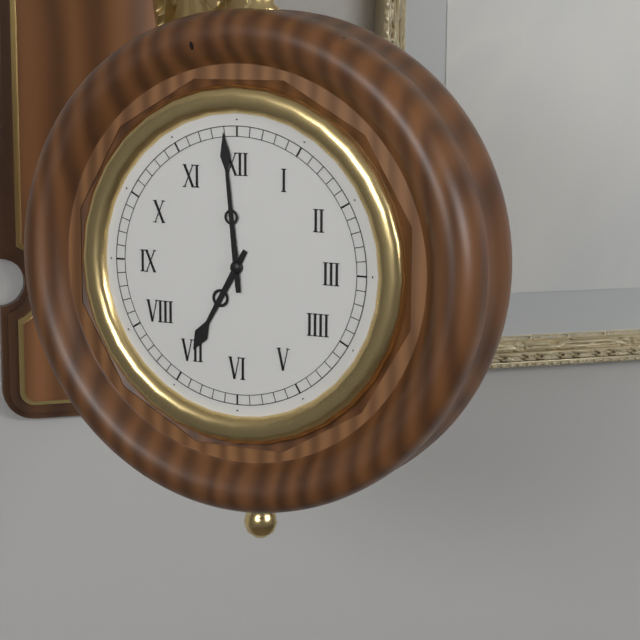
6:59
